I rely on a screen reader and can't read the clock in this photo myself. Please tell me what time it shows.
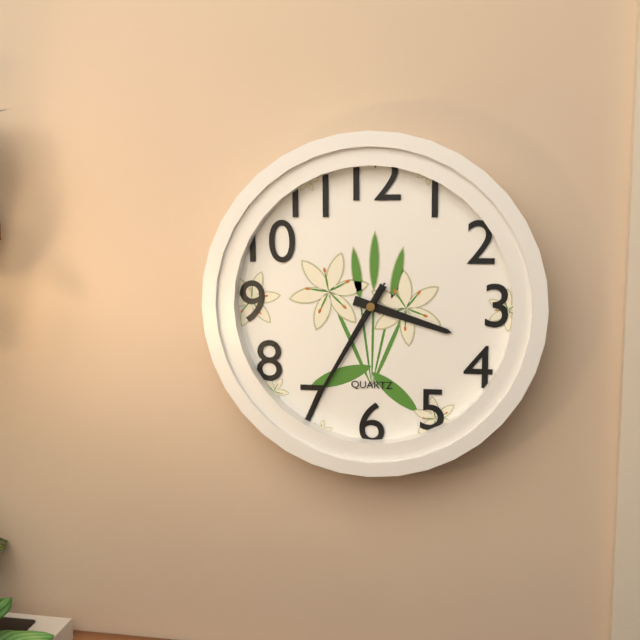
3:35:35
